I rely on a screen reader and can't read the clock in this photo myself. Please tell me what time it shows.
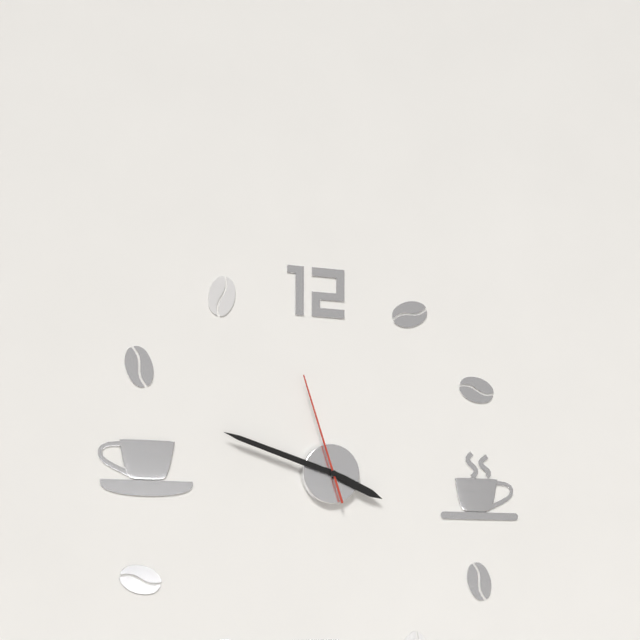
3:48:57
